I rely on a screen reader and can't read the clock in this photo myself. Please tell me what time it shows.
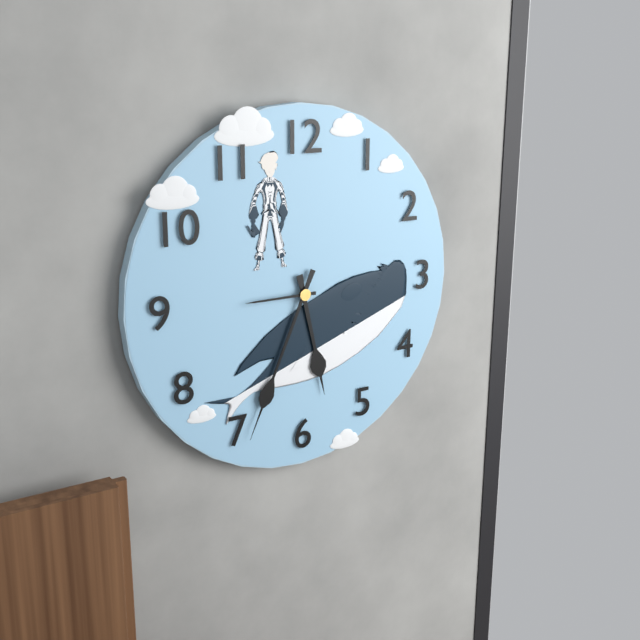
5:34:45
